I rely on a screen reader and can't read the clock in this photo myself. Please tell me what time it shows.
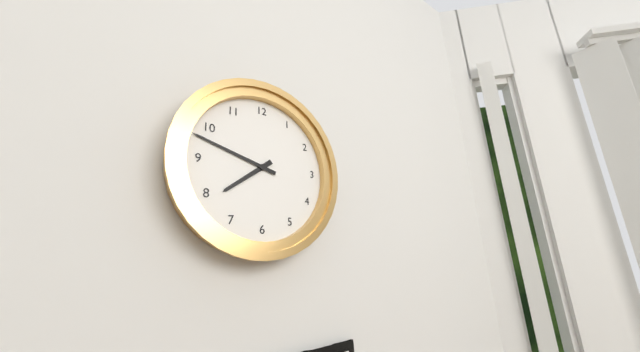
7:48
